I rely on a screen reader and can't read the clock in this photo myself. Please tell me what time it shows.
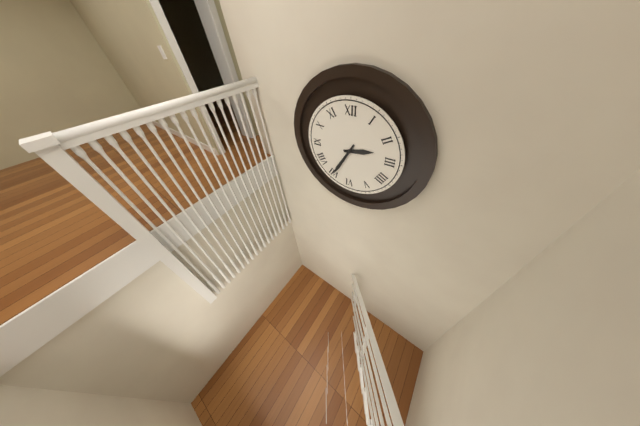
2:35
